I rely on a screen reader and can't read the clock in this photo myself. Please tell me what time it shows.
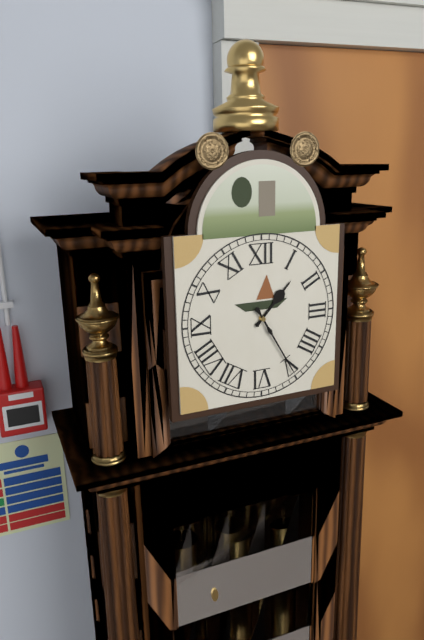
1:25
